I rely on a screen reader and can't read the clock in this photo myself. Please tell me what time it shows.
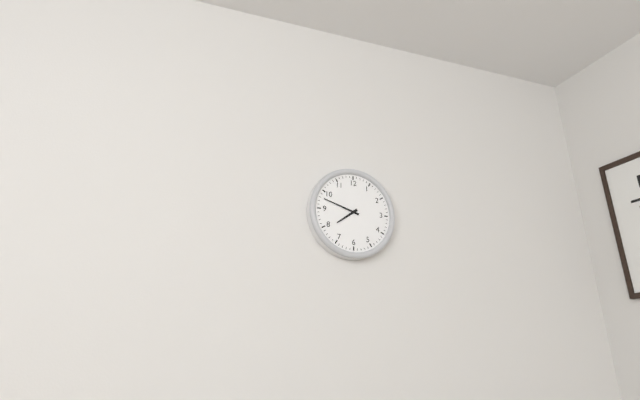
7:48
